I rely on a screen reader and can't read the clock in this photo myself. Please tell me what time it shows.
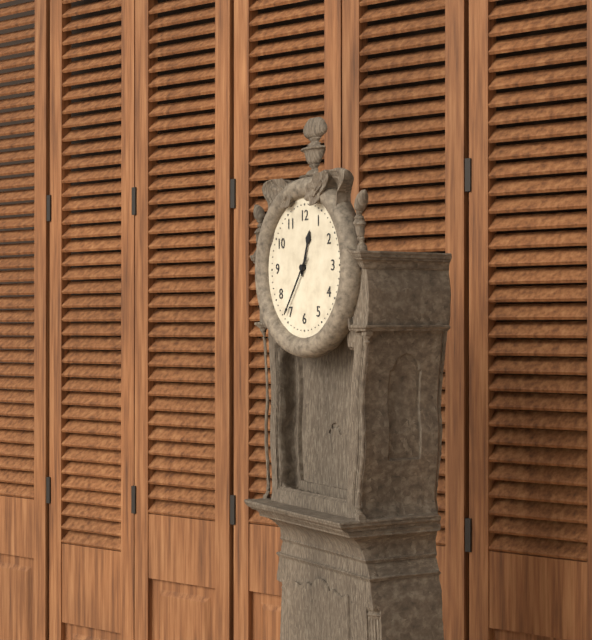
12:36
